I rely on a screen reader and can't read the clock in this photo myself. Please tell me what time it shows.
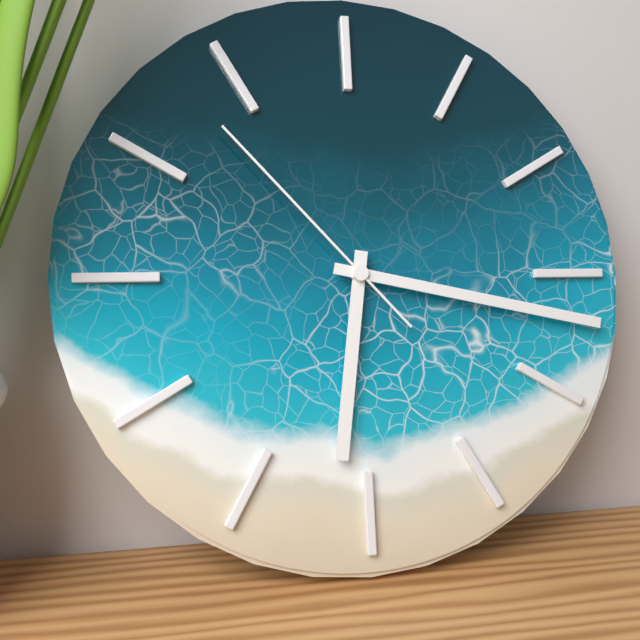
6:17:53
